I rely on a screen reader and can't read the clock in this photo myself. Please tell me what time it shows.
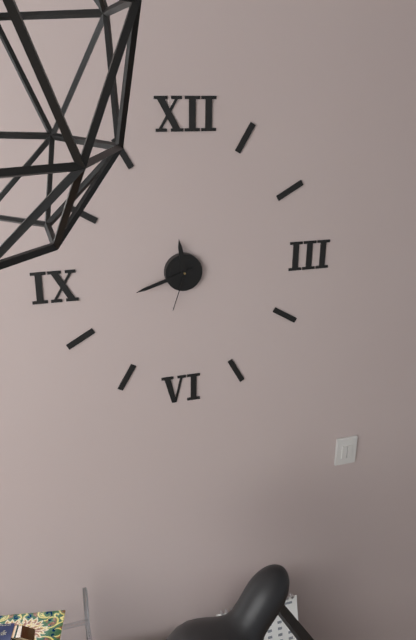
11:42:33
